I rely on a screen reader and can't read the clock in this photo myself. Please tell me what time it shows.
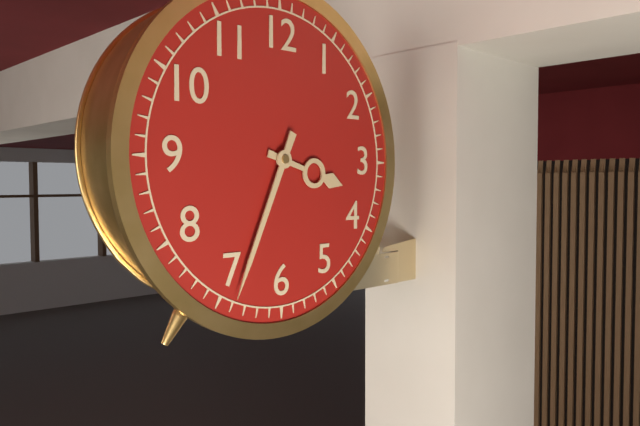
3:34
